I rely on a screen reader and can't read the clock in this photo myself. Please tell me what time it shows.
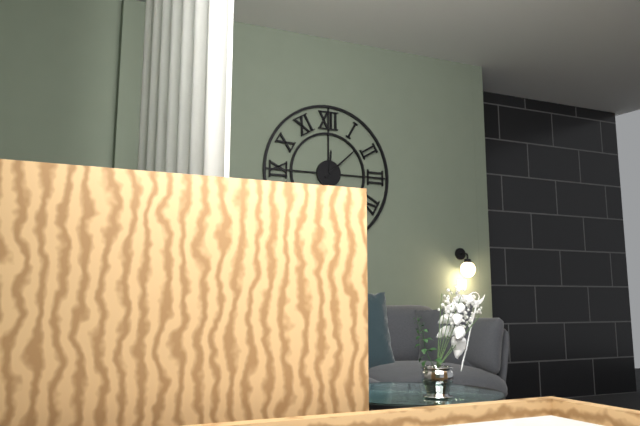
12:08
